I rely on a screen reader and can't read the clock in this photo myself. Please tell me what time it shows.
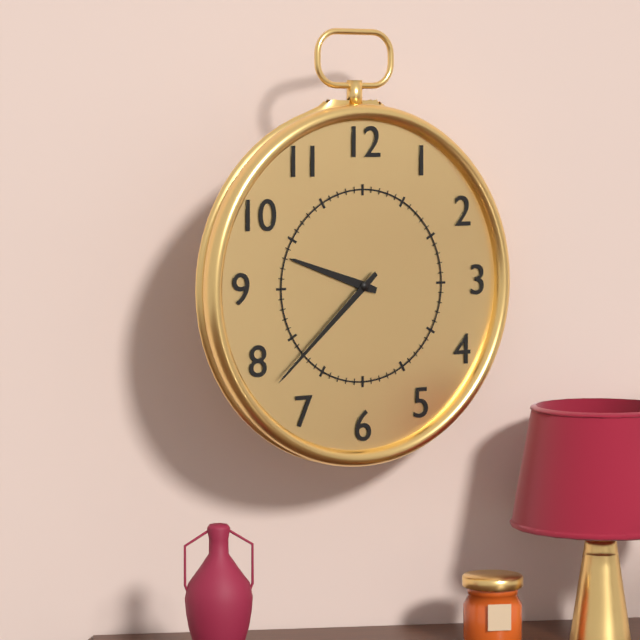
9:38
